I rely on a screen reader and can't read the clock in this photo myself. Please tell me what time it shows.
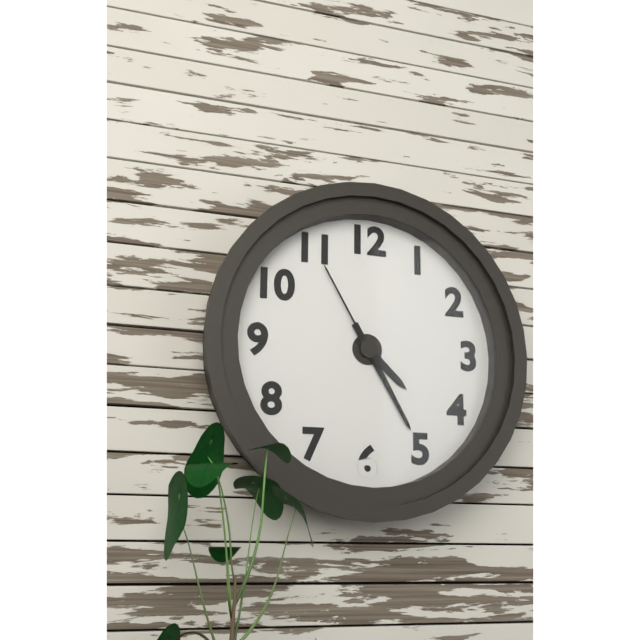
4:25:55
